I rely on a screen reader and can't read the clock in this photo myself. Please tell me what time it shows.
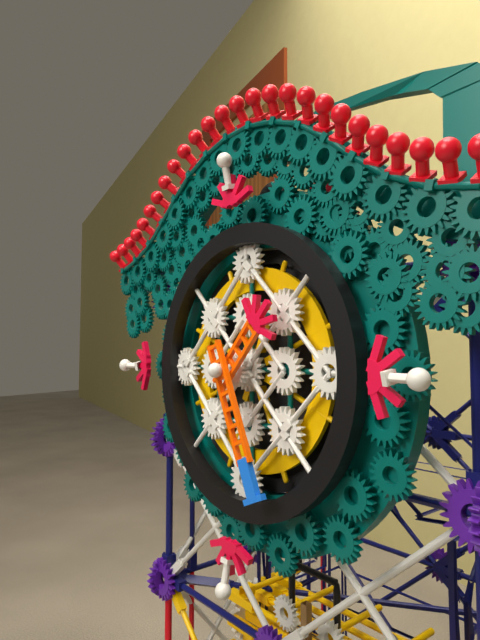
1:26
